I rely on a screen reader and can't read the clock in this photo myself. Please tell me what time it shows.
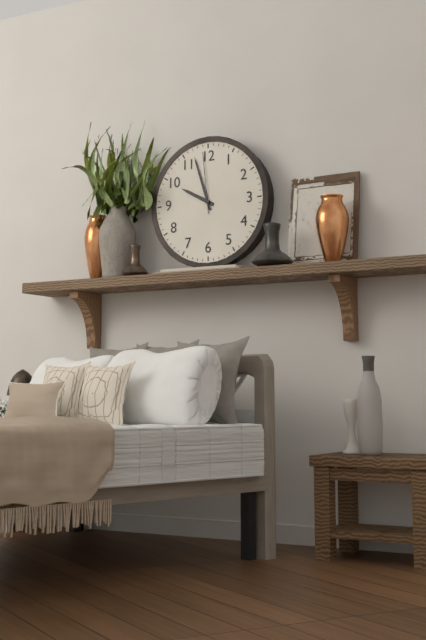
9:57:59
